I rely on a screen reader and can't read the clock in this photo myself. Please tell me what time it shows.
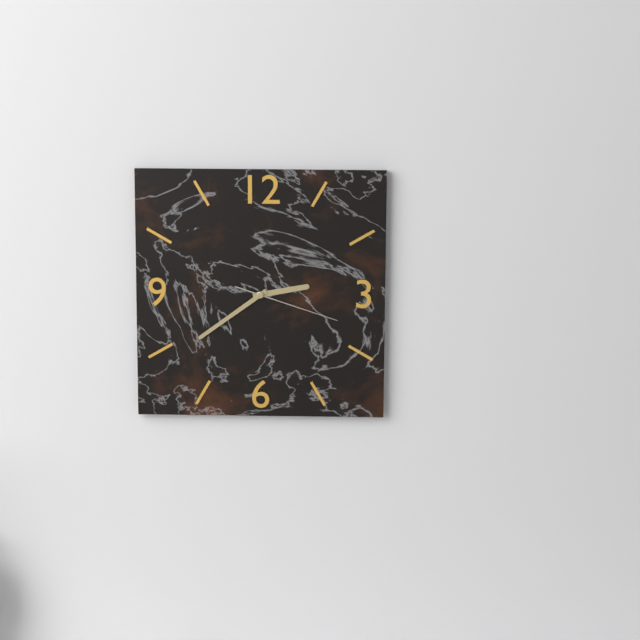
2:39:18
